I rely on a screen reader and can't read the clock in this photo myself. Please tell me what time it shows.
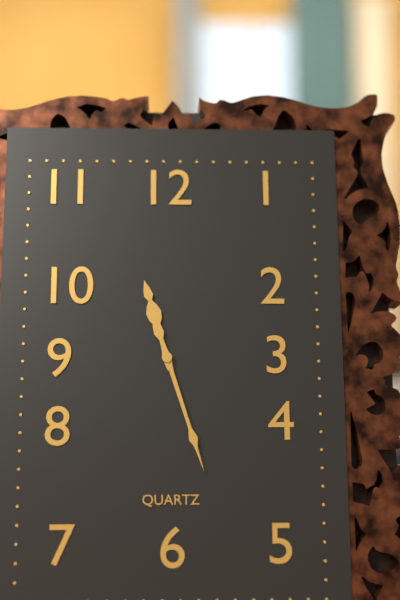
11:27
